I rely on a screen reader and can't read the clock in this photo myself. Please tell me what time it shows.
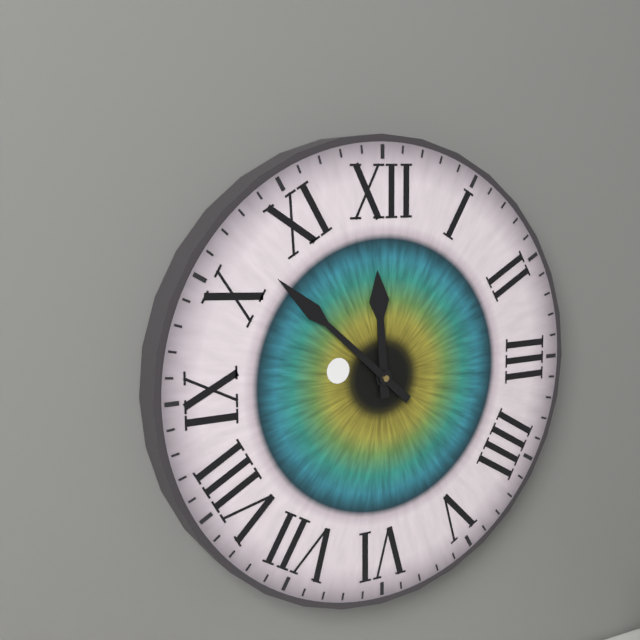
11:52
